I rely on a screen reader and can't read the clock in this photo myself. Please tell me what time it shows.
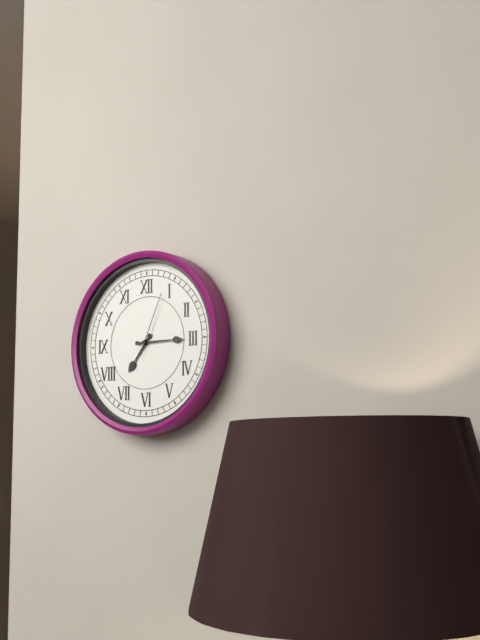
7:15:04
